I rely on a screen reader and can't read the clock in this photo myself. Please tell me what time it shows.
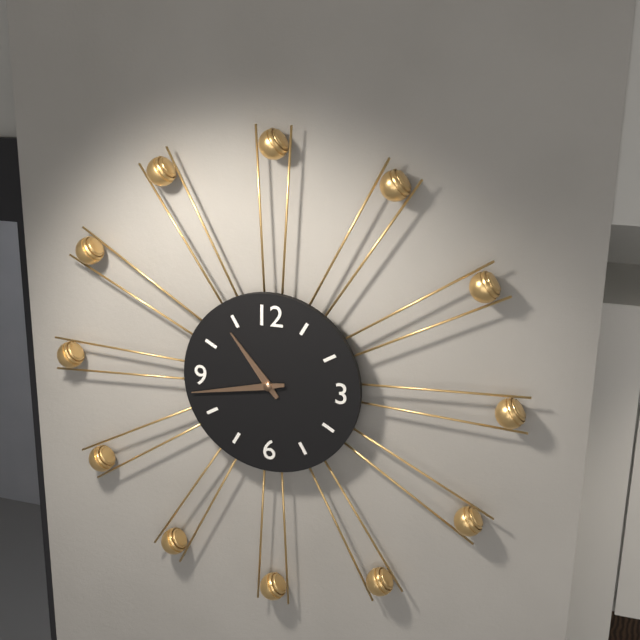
10:43
